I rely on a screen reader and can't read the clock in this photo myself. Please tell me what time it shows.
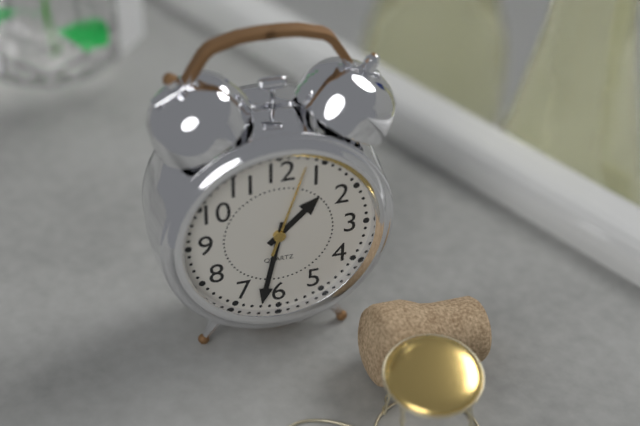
1:32:03
